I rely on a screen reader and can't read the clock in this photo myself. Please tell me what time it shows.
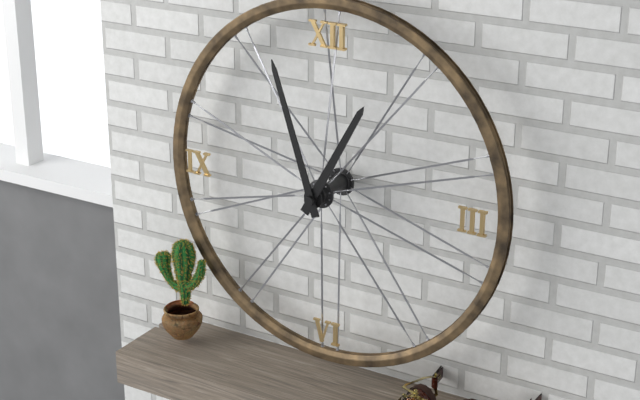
12:57
